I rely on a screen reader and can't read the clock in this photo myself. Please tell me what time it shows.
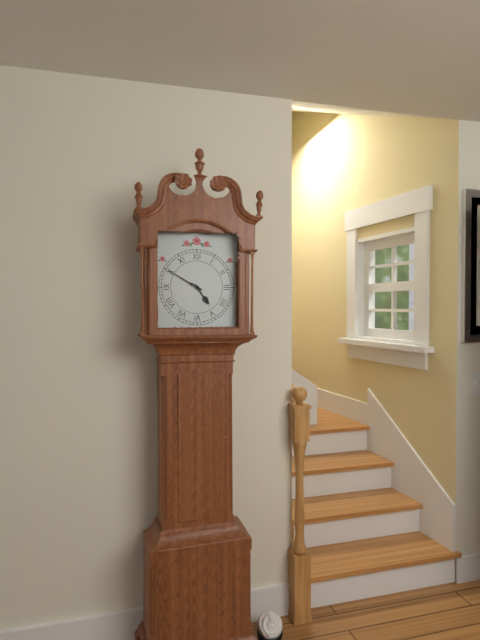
4:50
